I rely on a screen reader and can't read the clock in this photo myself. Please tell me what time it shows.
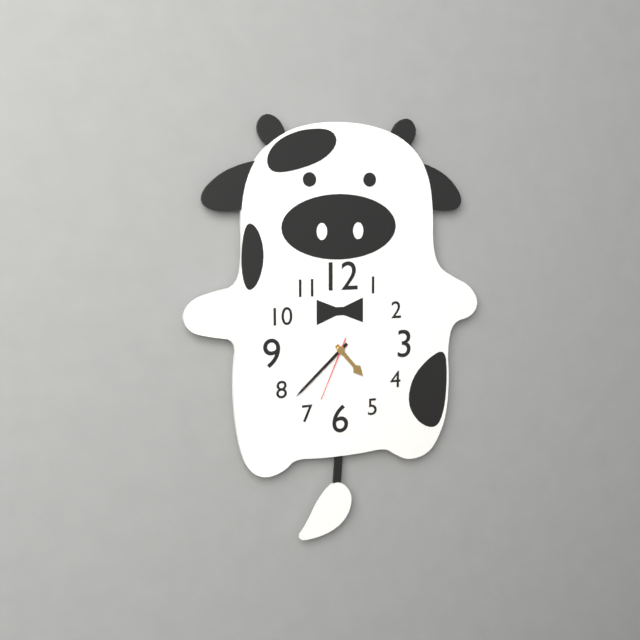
4:38:34
